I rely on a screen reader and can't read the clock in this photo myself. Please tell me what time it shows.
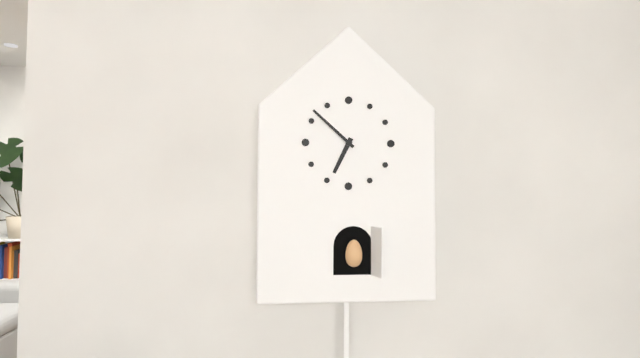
6:52
